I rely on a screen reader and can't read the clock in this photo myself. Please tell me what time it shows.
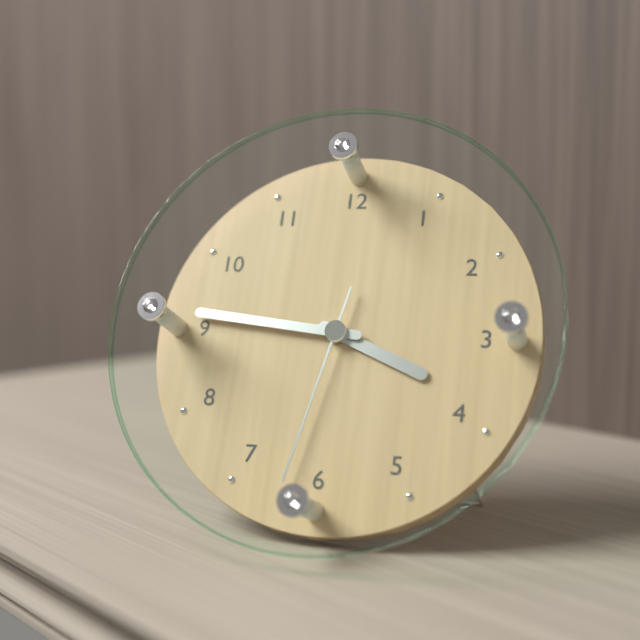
3:46:32
